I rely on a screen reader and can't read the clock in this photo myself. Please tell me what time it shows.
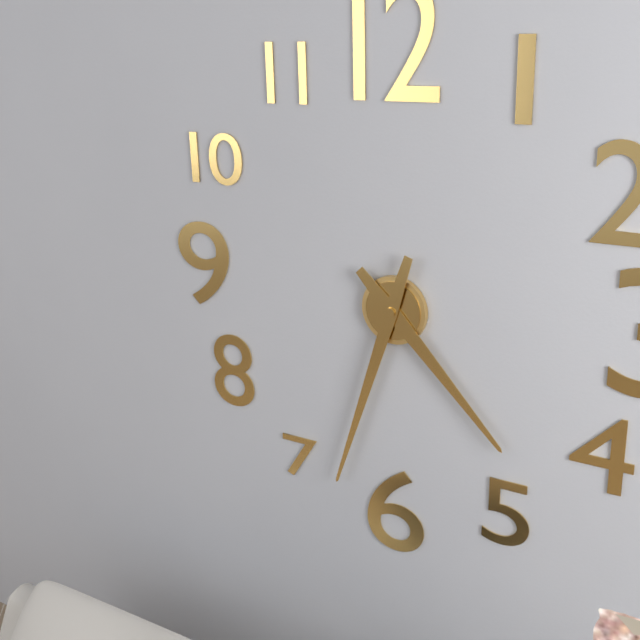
4:33
